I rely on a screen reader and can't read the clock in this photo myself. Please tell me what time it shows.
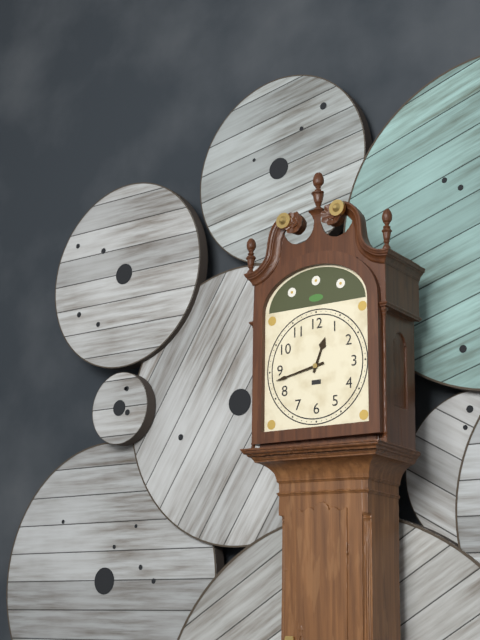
12:43
